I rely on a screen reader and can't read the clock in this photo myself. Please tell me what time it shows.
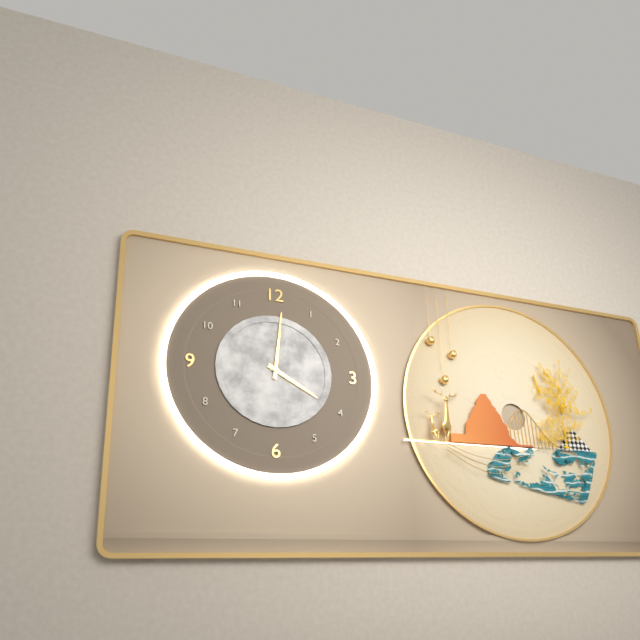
4:01
